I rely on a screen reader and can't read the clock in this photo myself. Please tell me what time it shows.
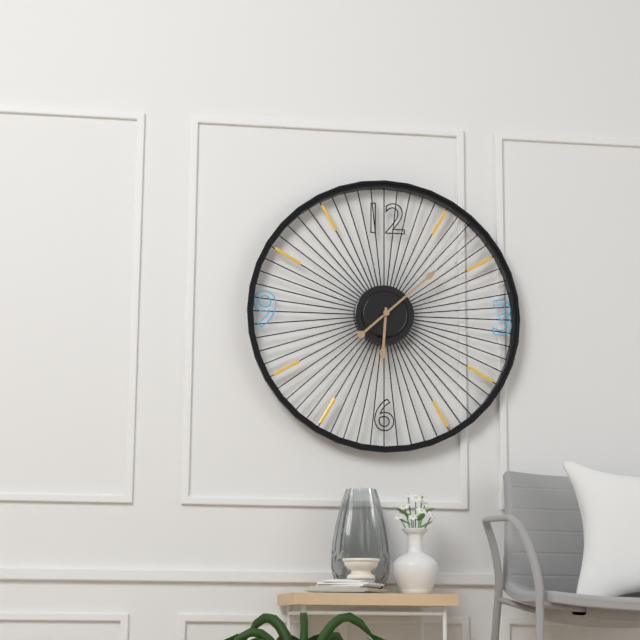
6:08
